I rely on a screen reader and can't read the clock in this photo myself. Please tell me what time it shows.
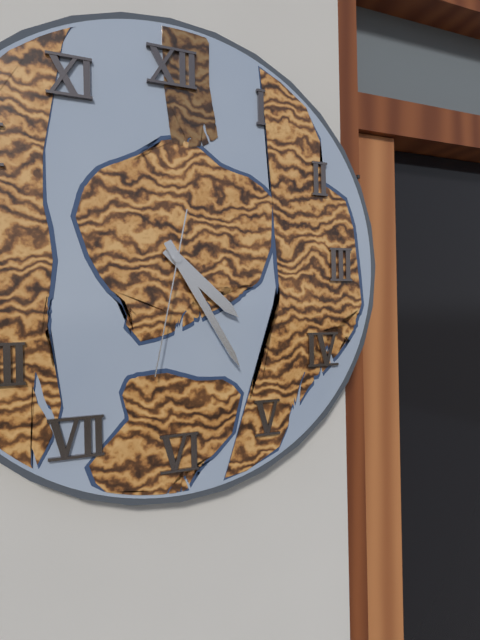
4:25:32
